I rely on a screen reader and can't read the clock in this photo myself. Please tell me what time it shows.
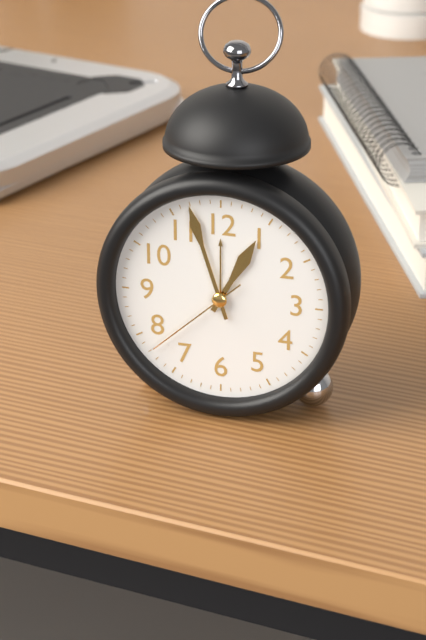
12:57:38
